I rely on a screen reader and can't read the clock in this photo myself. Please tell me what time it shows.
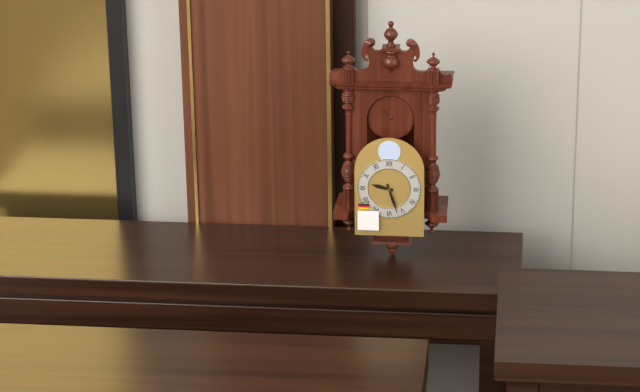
9:27
